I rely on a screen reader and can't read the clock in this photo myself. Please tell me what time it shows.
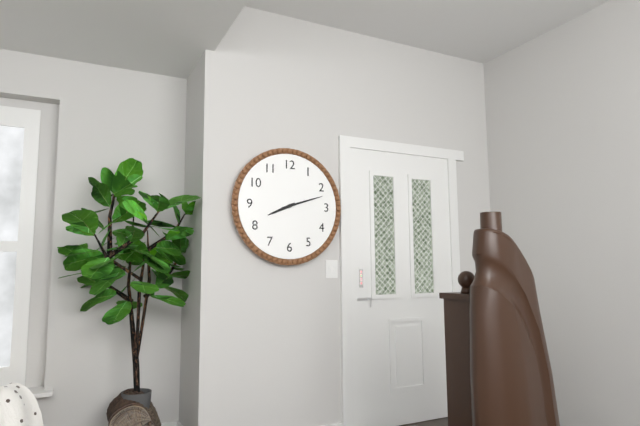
8:12
